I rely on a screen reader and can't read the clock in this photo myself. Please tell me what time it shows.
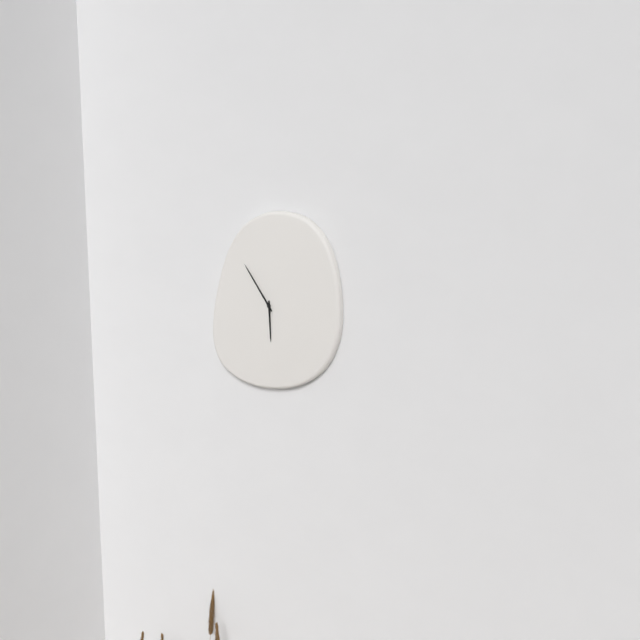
5:54
